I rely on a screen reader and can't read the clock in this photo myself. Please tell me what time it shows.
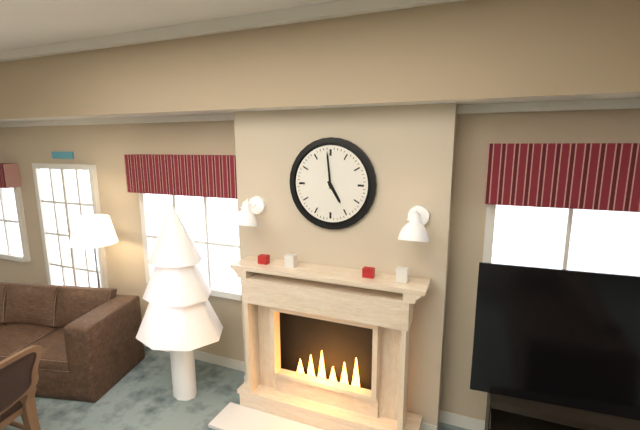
4:59
